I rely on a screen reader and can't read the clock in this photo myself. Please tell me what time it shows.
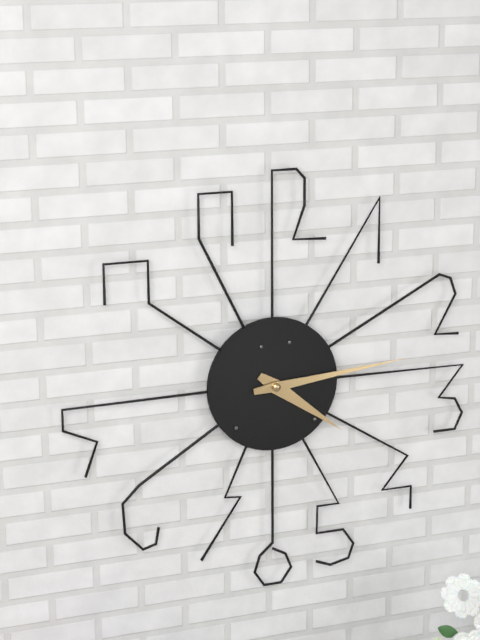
4:14
